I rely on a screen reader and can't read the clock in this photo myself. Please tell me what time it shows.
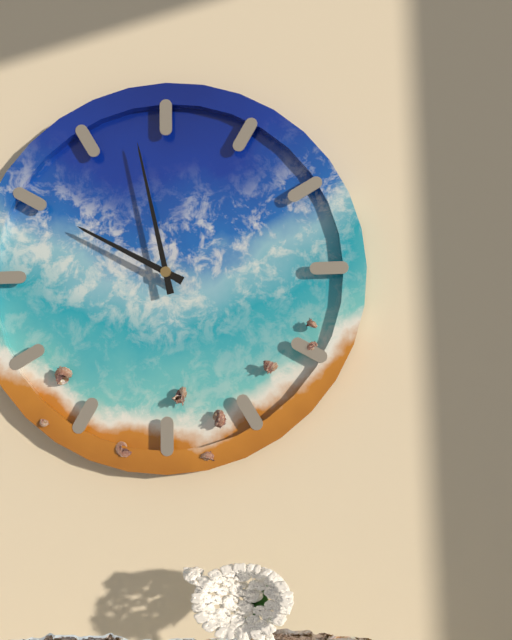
9:58
